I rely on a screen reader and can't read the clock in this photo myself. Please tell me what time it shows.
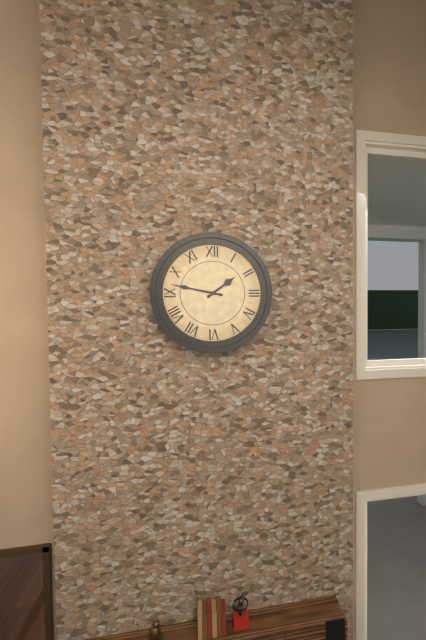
1:47
